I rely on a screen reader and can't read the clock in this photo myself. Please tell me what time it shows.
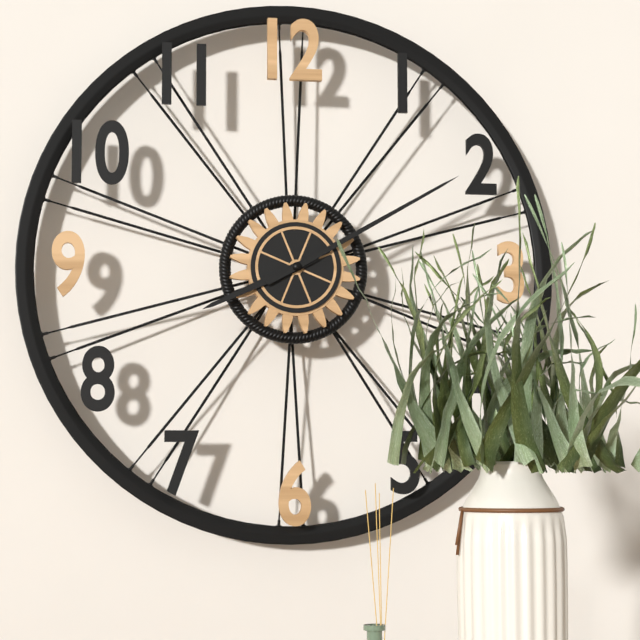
8:10
